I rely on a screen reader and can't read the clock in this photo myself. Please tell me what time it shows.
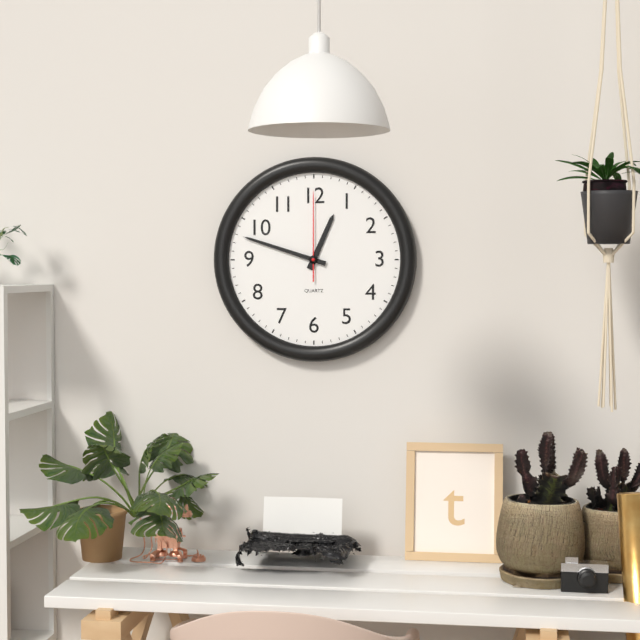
12:48:00
